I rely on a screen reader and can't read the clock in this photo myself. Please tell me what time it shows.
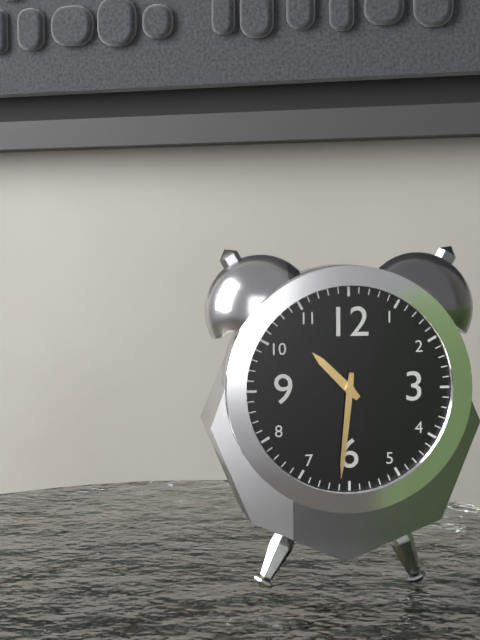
10:31
